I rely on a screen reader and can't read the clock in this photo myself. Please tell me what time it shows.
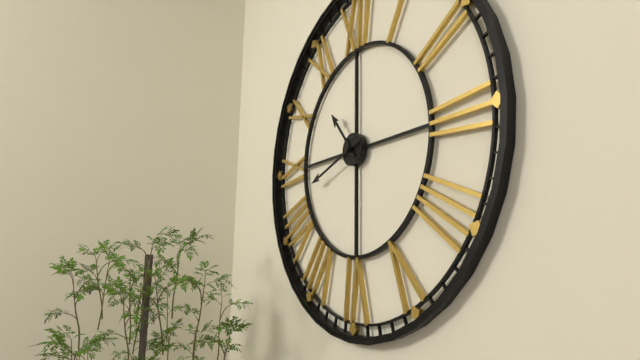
10:42
